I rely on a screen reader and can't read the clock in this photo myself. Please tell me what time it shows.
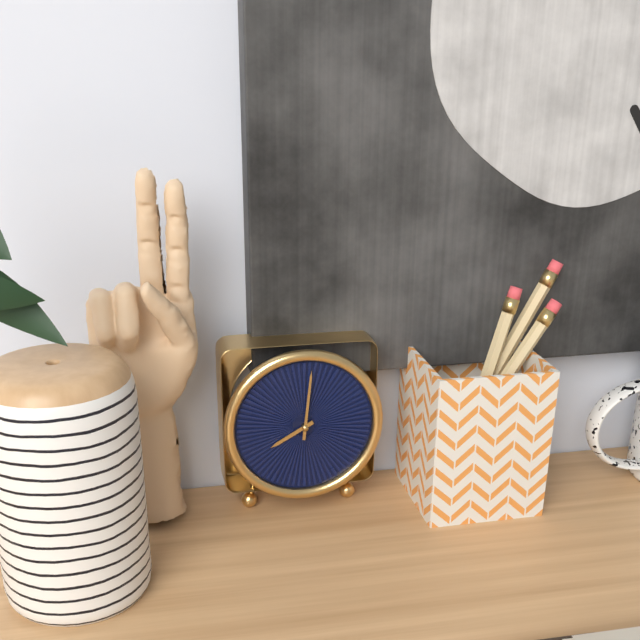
8:01
